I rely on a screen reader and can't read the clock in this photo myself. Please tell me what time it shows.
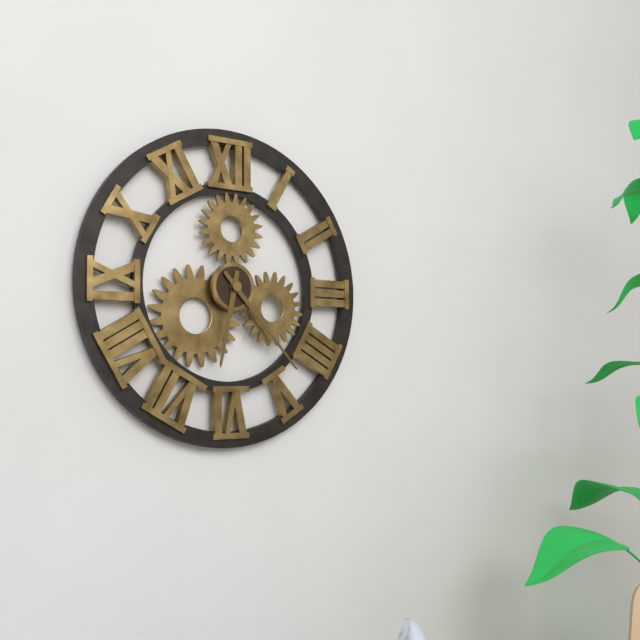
6:23
